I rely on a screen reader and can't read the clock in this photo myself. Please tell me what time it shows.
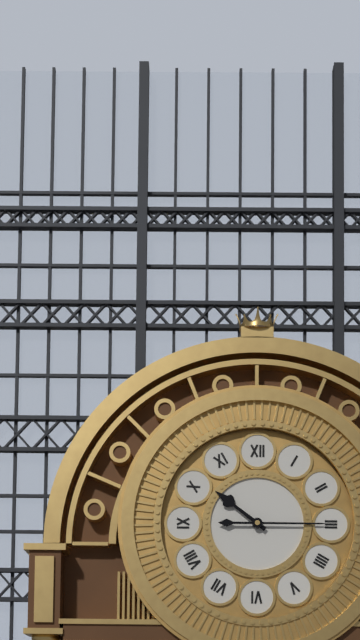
10:15
